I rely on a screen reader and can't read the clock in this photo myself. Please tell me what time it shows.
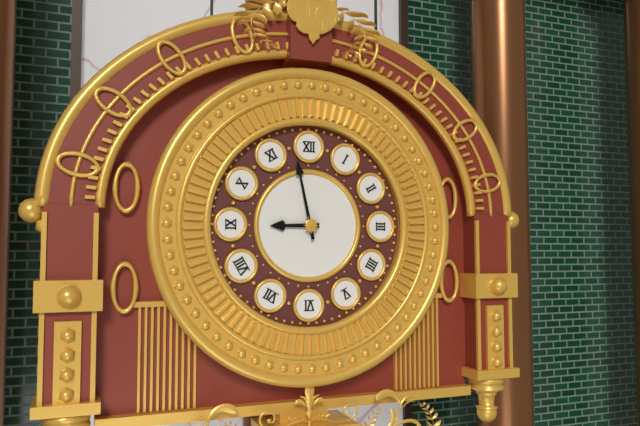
8:58
